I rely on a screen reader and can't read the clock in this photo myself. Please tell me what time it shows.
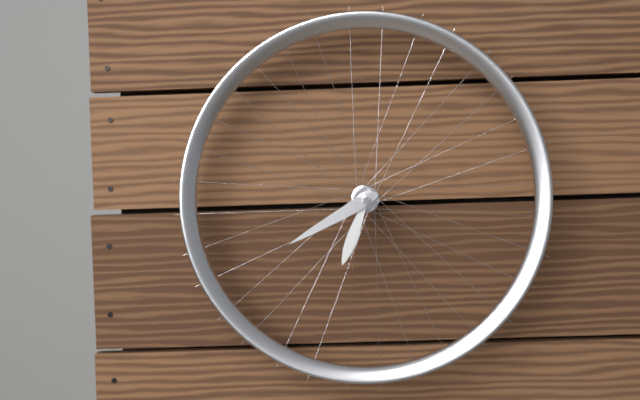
6:40
